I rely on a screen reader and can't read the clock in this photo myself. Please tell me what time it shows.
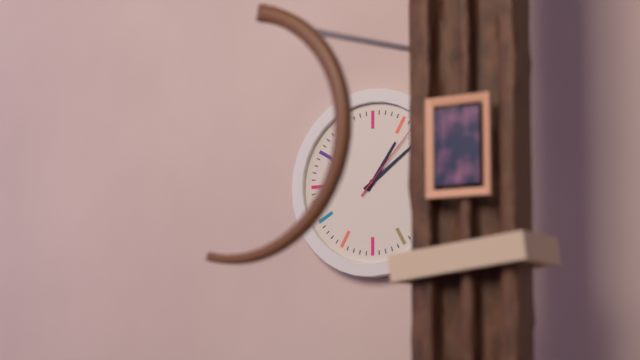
1:09:07
